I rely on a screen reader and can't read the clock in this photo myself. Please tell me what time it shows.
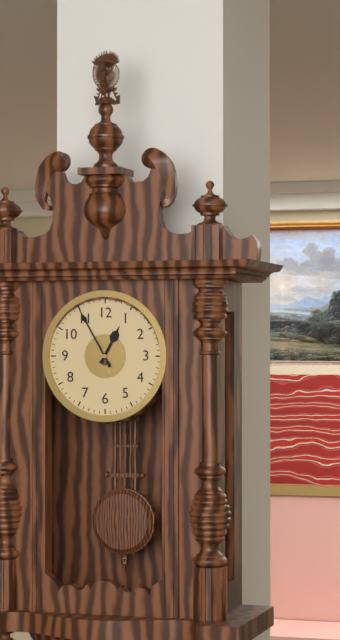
12:55
